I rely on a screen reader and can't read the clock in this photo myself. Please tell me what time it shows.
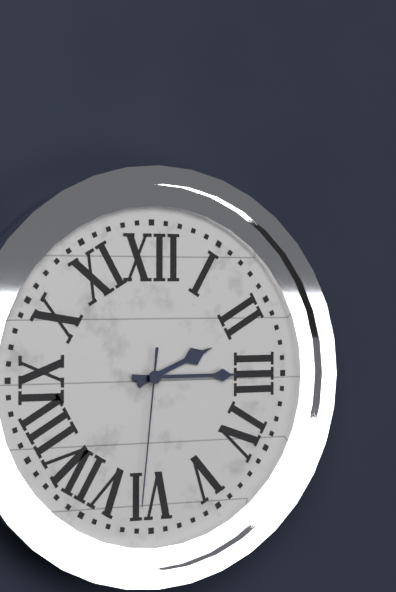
2:15:31
